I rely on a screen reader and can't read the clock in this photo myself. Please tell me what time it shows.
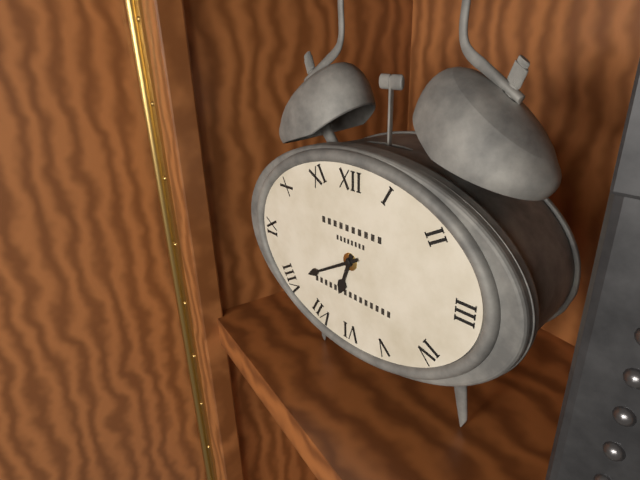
6:40
